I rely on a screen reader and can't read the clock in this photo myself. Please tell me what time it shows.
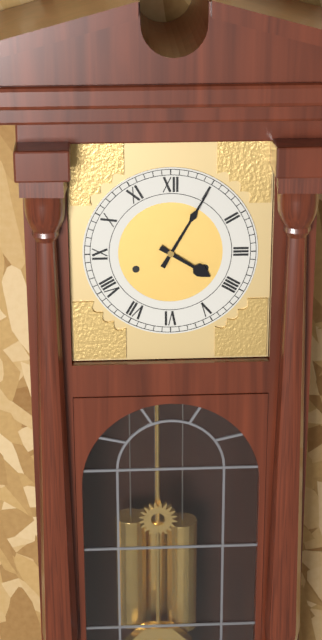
4:05
